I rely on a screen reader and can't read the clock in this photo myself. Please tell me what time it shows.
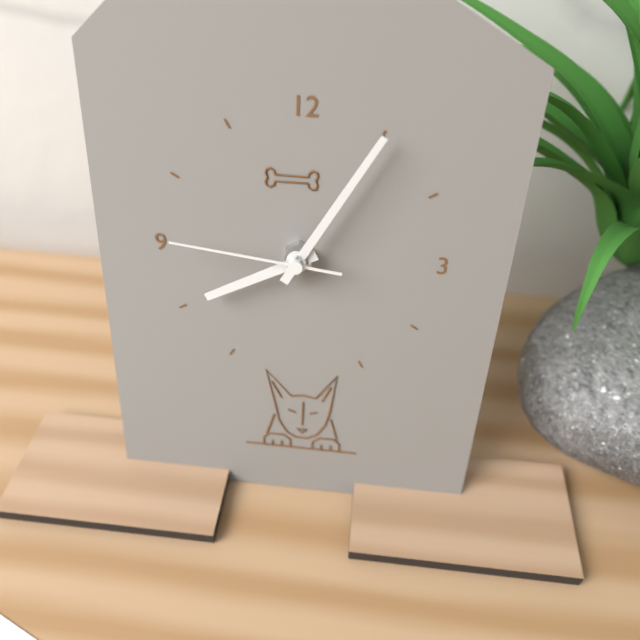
8:05:46
